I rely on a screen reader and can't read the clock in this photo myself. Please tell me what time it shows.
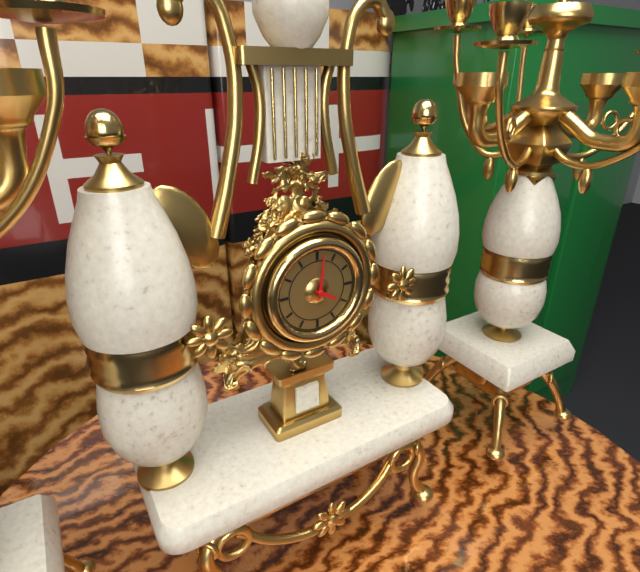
4:01
